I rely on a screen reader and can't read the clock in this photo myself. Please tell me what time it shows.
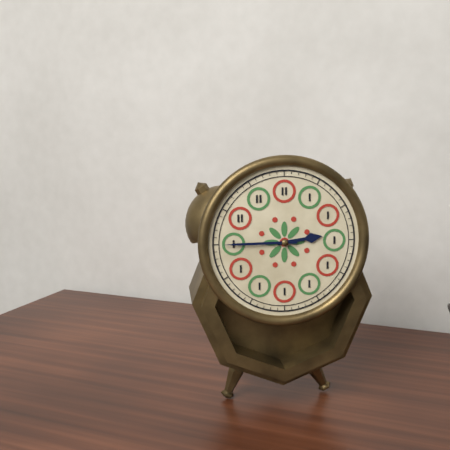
2:45
